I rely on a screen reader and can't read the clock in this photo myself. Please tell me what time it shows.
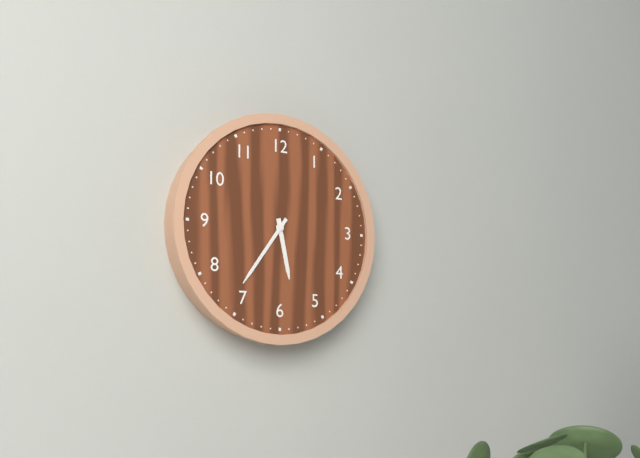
5:36
